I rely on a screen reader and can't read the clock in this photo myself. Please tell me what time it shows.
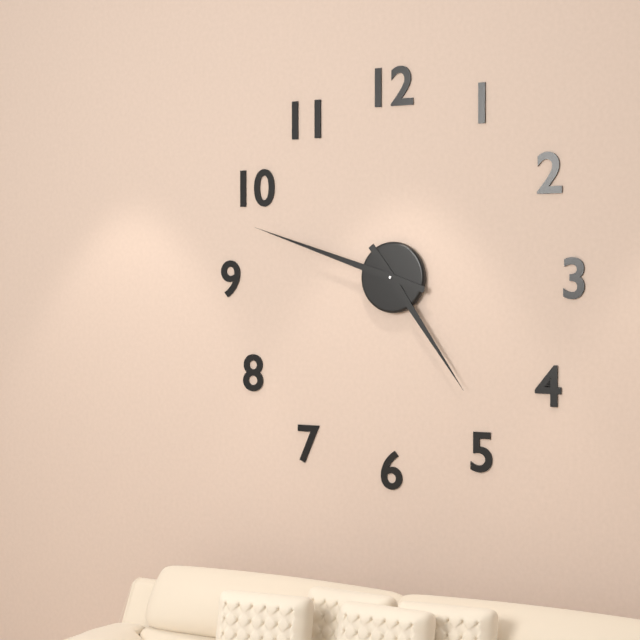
4:48
